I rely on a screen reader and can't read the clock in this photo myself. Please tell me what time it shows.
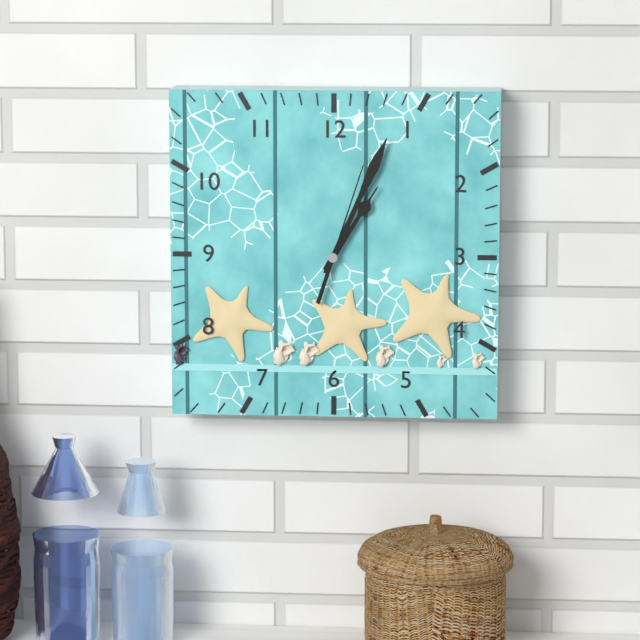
1:04:03
